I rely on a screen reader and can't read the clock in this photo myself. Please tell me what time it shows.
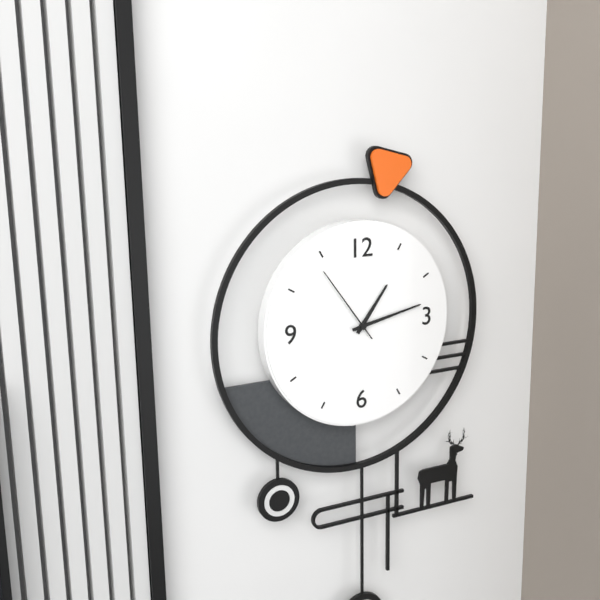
1:13:54
